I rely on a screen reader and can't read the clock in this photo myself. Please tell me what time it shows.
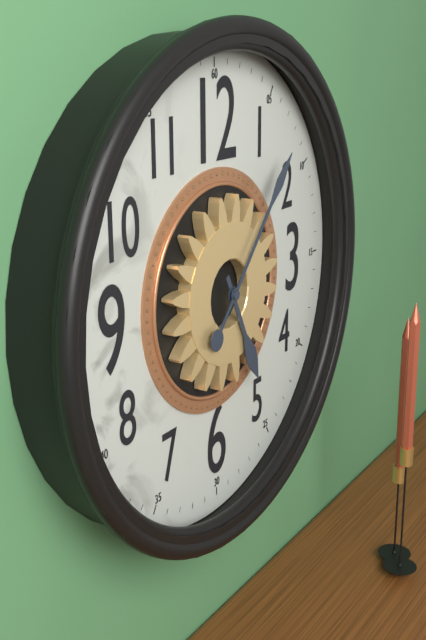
5:07
